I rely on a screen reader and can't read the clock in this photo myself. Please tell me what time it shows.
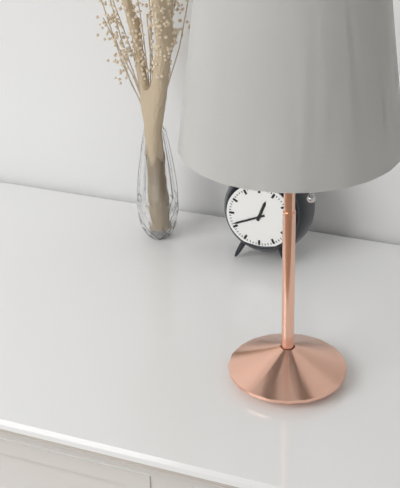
12:41
